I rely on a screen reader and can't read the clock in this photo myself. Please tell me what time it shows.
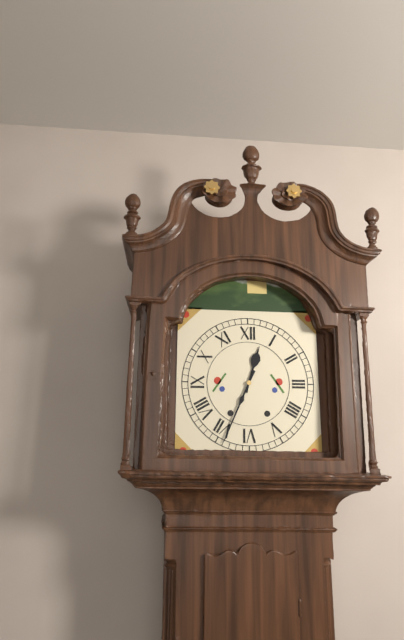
12:34
